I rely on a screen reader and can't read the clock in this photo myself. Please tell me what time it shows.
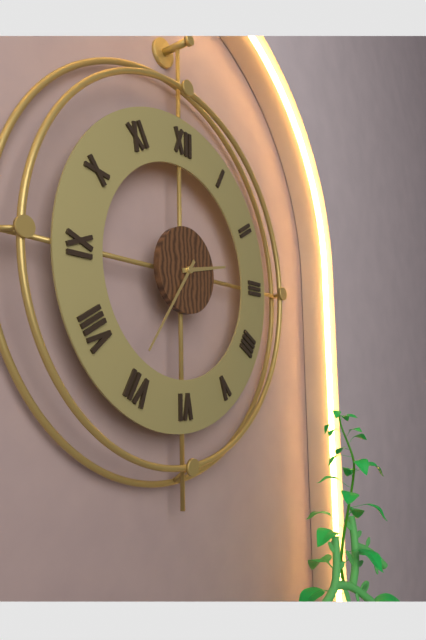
2:36
